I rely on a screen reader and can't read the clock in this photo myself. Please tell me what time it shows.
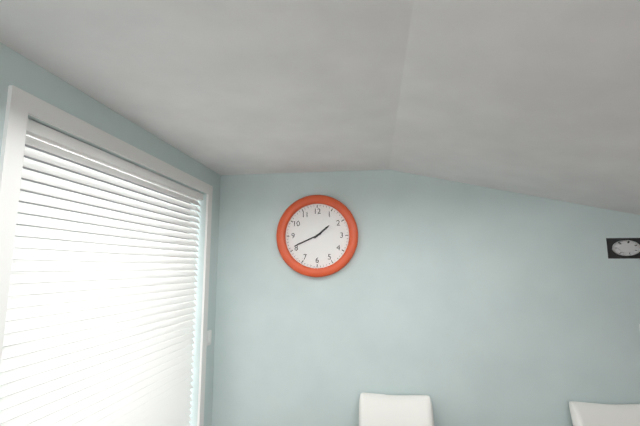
1:41
